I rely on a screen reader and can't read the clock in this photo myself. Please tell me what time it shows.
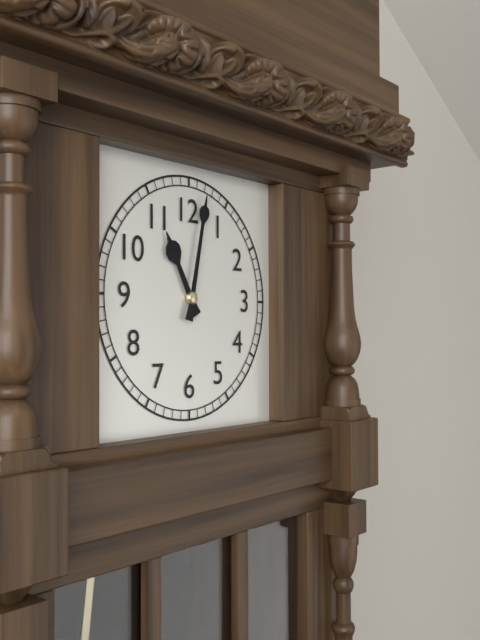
11:02
